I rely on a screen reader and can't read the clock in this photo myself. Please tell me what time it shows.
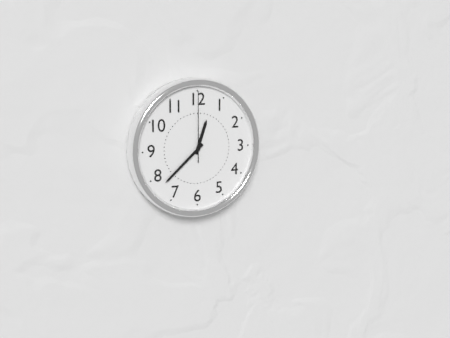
12:38:00
